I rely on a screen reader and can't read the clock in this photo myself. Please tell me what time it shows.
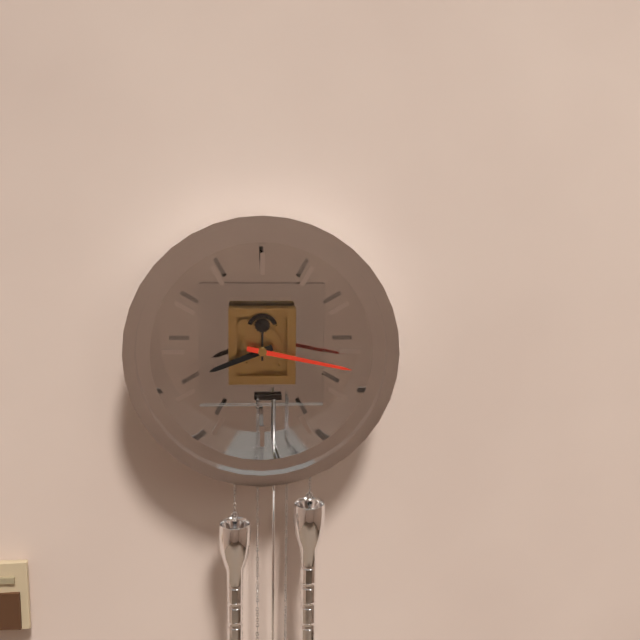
8:17
